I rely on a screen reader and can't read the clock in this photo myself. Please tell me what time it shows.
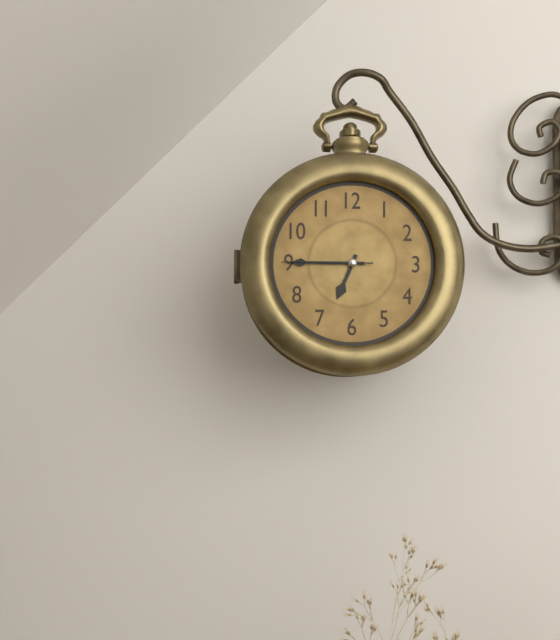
6:45:45
